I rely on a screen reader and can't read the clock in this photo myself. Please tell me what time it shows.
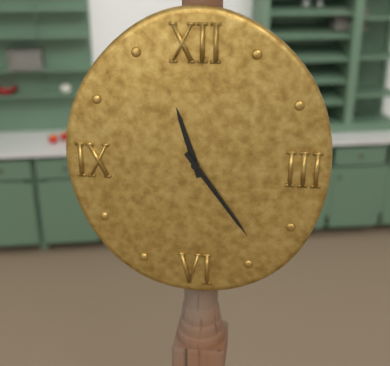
11:24
